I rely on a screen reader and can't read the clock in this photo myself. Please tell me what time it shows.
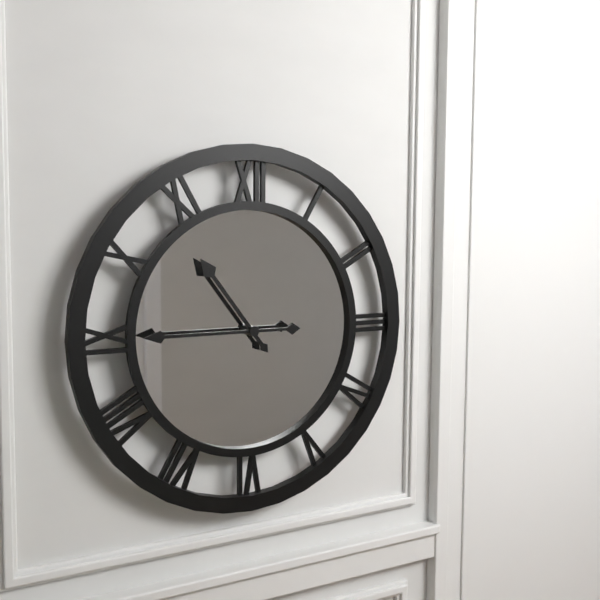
10:45
